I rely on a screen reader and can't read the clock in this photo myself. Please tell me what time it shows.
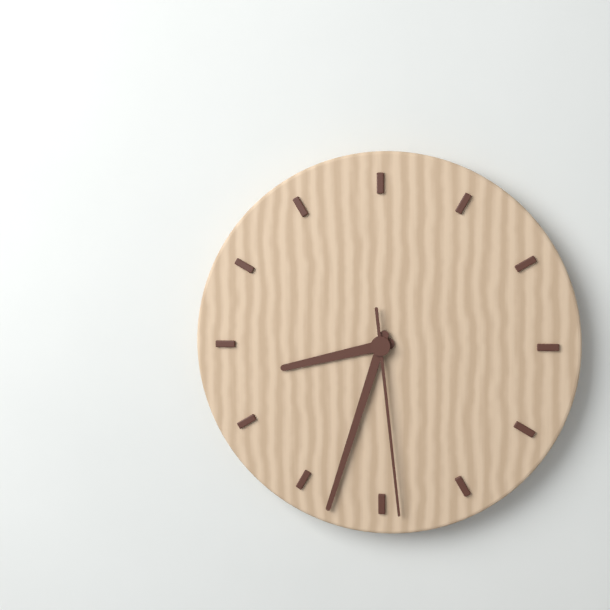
8:33:29
